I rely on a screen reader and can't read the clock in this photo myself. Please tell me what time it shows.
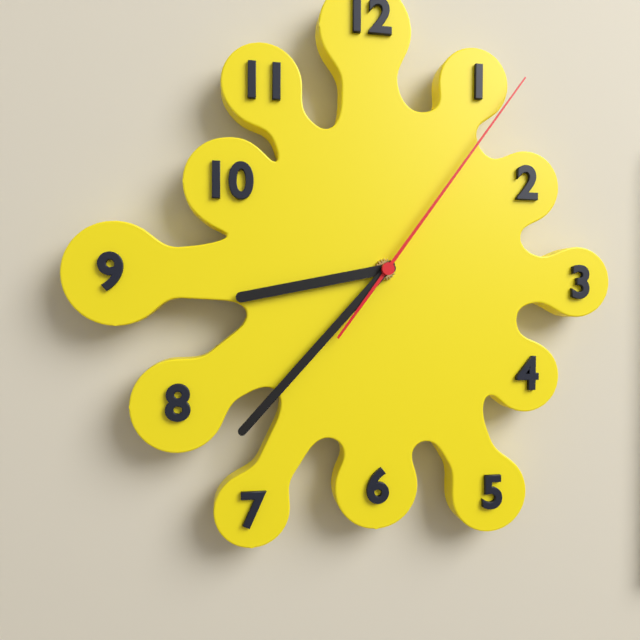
8:37:06
